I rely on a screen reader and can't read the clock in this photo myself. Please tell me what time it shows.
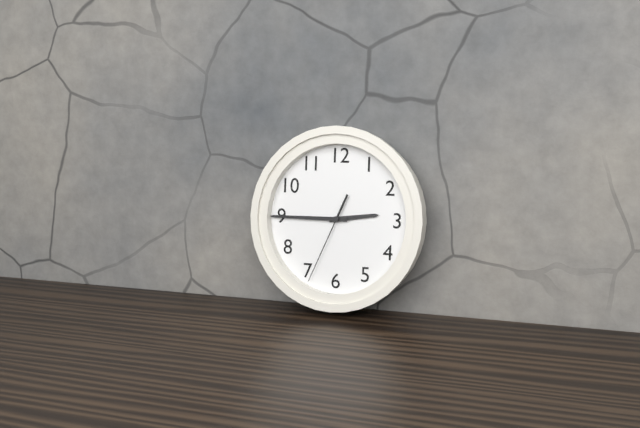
2:45:34
